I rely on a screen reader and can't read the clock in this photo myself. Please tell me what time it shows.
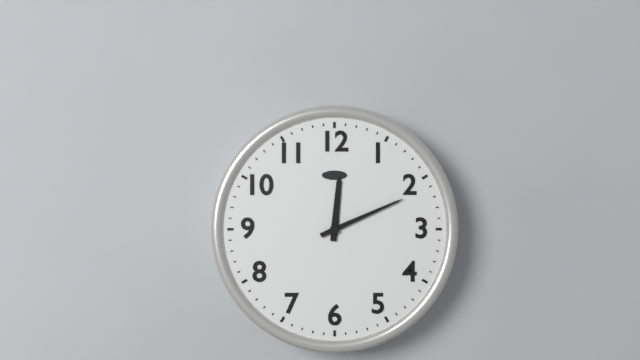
12:11
